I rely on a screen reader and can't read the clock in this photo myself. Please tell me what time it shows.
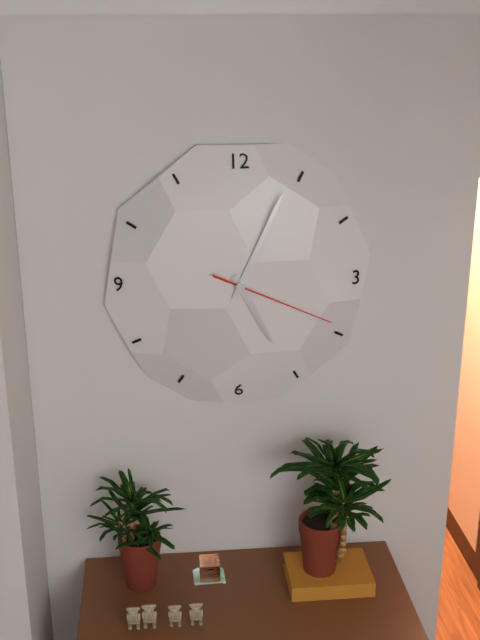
5:04:19
